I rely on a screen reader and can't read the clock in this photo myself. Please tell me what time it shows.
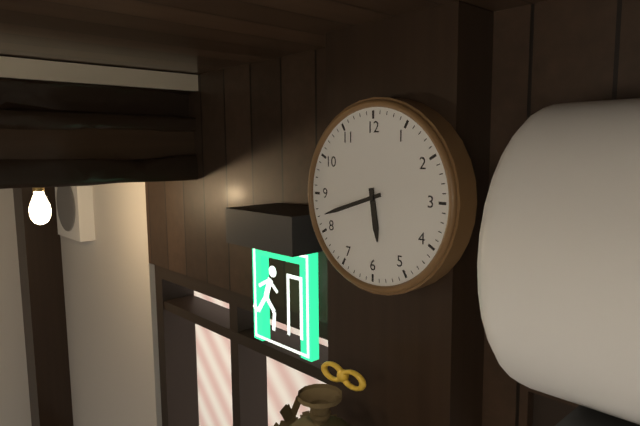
5:42
